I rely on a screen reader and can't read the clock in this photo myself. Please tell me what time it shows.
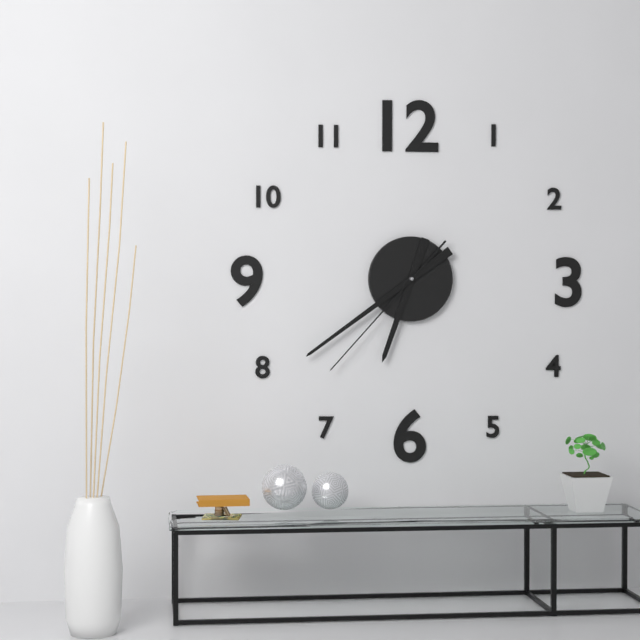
6:39:37
